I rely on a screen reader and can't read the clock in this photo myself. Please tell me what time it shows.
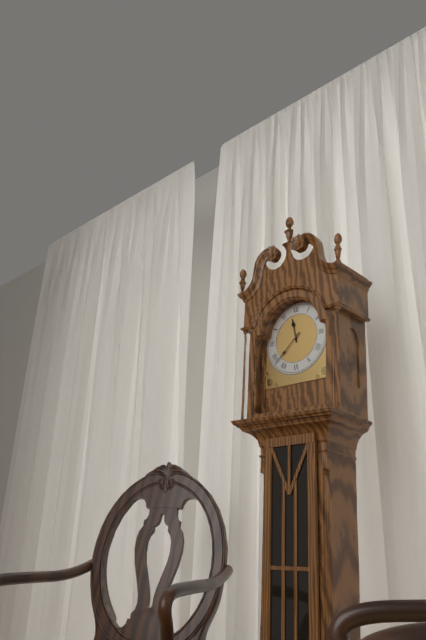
11:38
